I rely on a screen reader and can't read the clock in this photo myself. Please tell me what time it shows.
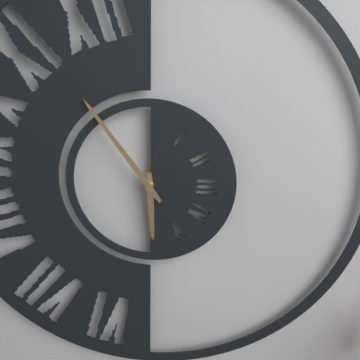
5:54
